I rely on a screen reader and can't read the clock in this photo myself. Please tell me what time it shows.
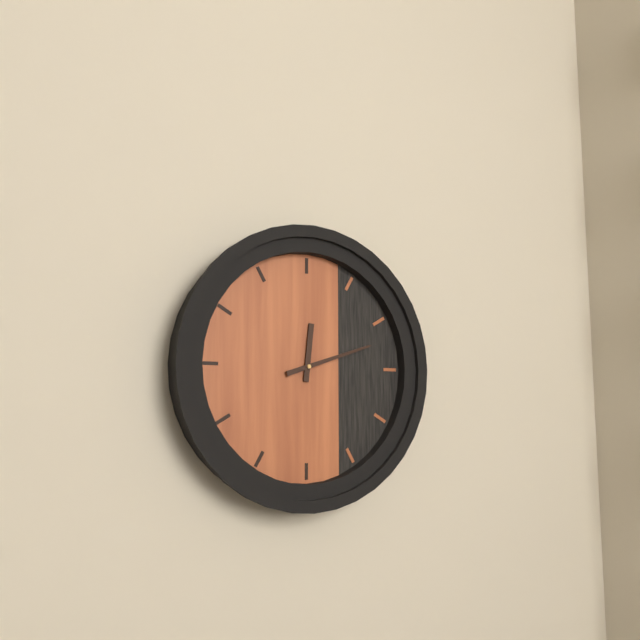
12:12
